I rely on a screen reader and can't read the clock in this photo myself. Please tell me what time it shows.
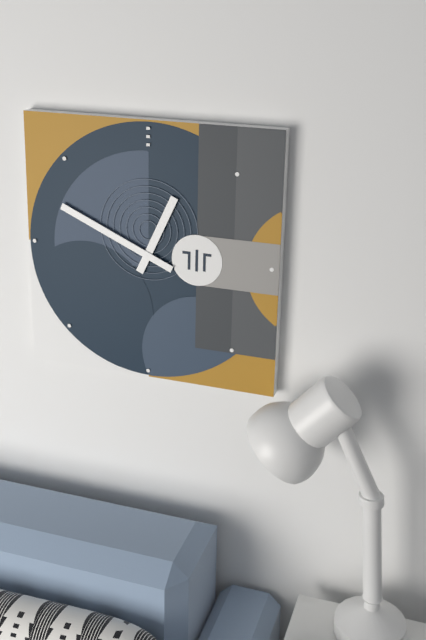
12:49
